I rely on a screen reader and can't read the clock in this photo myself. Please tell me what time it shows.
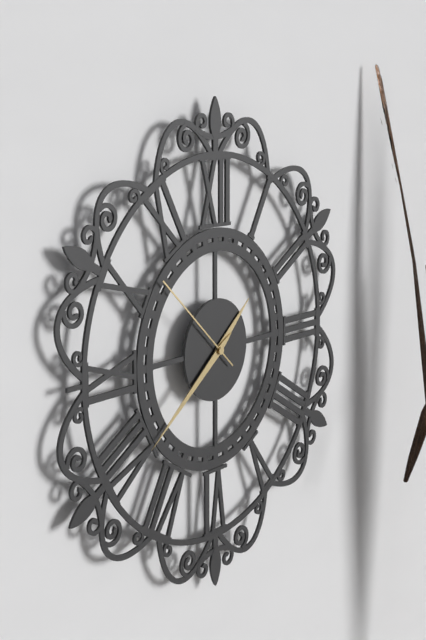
1:39:52
